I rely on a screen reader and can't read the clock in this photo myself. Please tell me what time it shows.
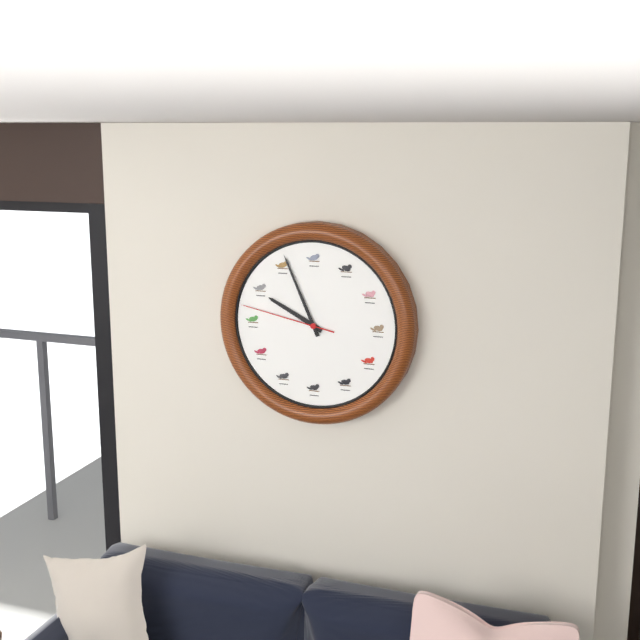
9:56:47
